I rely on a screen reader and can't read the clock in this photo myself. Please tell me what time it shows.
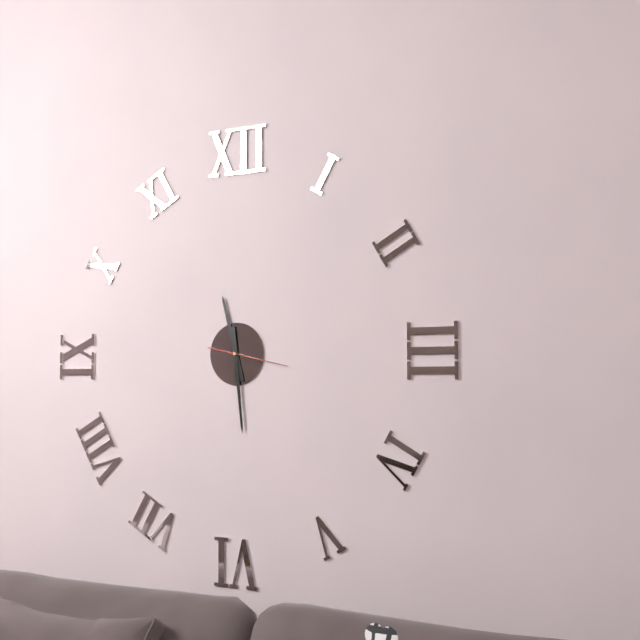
11:29:17
